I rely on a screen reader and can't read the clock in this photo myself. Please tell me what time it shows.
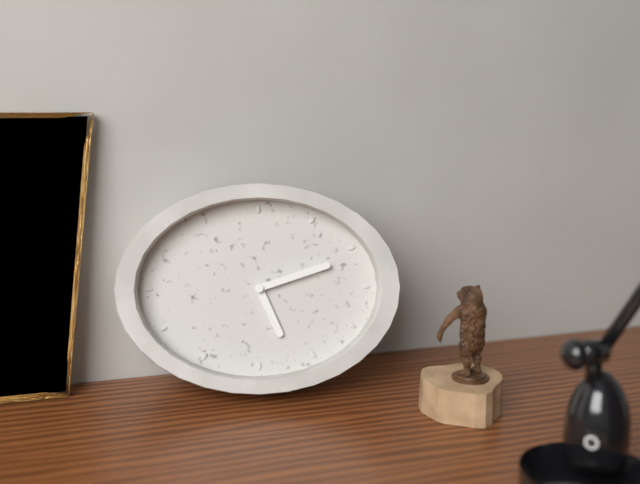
5:12
